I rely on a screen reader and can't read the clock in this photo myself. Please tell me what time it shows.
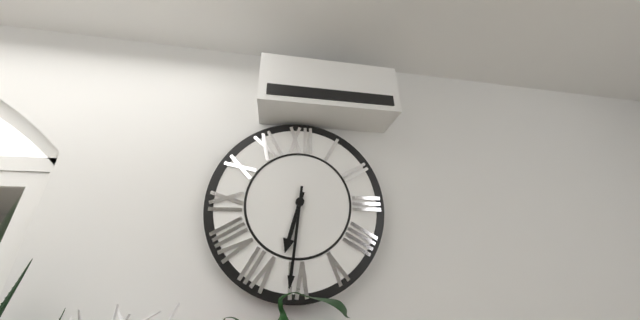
6:31
